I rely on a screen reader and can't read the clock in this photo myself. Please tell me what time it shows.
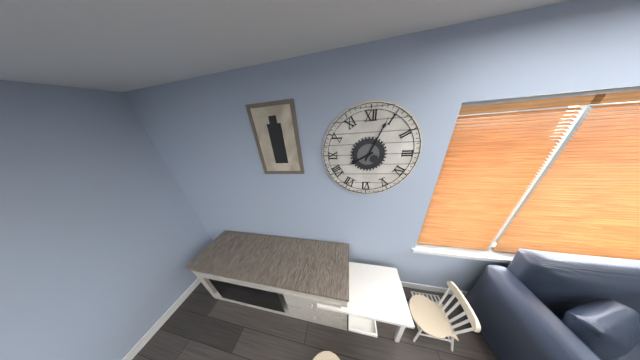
8:04
